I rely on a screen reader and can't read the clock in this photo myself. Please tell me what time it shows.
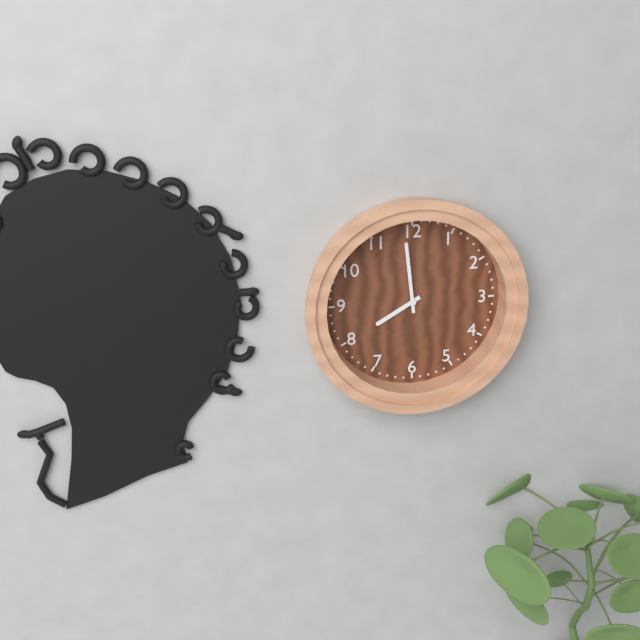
7:59
